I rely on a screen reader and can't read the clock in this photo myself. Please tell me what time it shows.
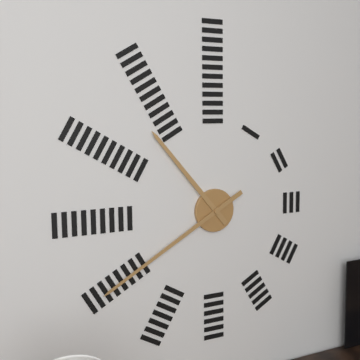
10:40
